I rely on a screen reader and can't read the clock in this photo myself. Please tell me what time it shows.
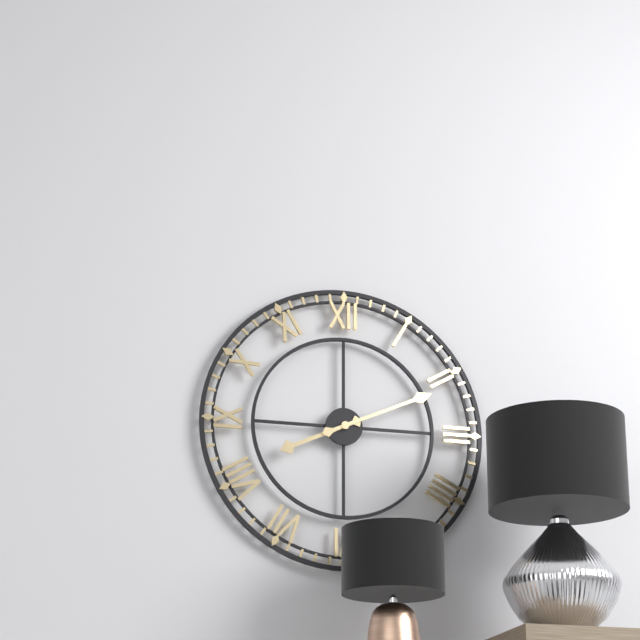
8:11
